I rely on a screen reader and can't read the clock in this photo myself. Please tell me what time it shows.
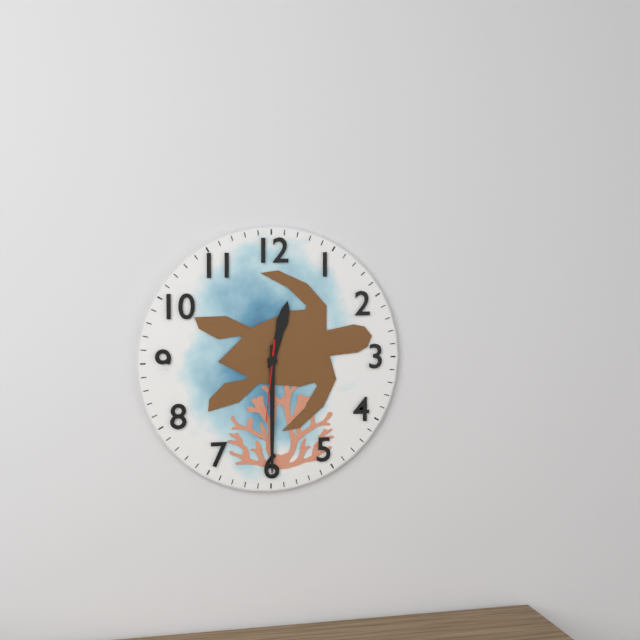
12:30:31
